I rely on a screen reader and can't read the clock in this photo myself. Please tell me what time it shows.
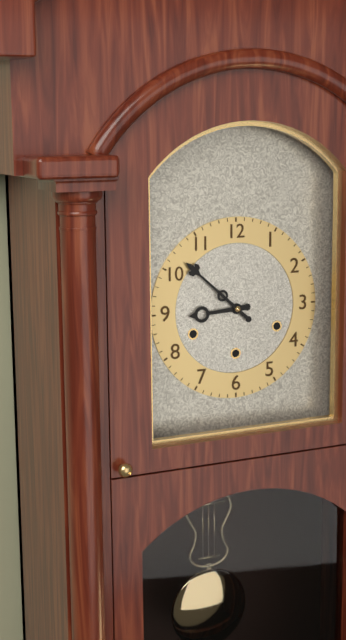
8:52
